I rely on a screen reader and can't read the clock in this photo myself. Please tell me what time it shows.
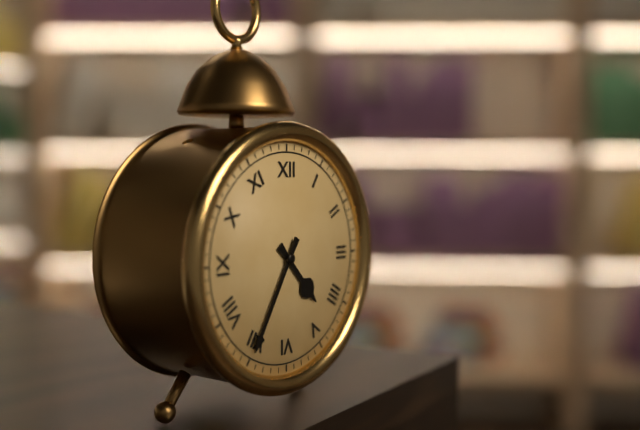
4:35
